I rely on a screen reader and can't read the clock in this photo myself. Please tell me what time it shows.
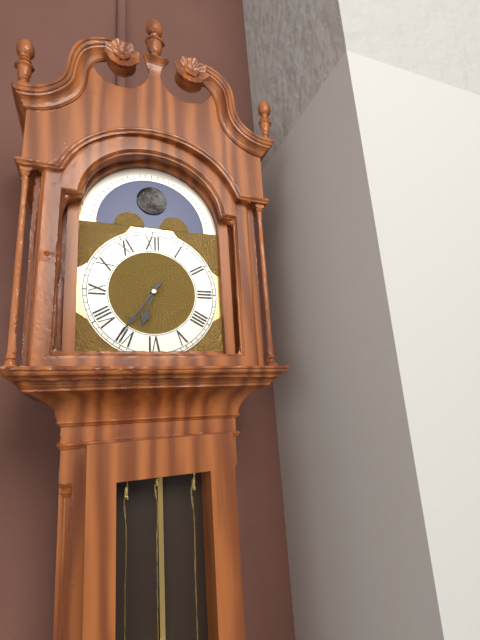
6:36
